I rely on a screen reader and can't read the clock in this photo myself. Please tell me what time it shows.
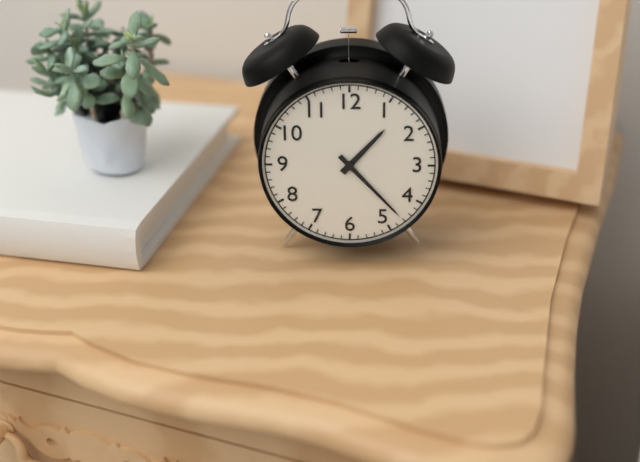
1:23
